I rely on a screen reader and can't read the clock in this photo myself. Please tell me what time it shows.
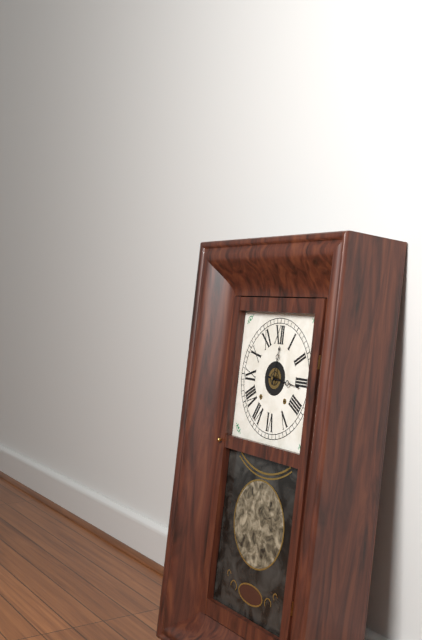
12:16
